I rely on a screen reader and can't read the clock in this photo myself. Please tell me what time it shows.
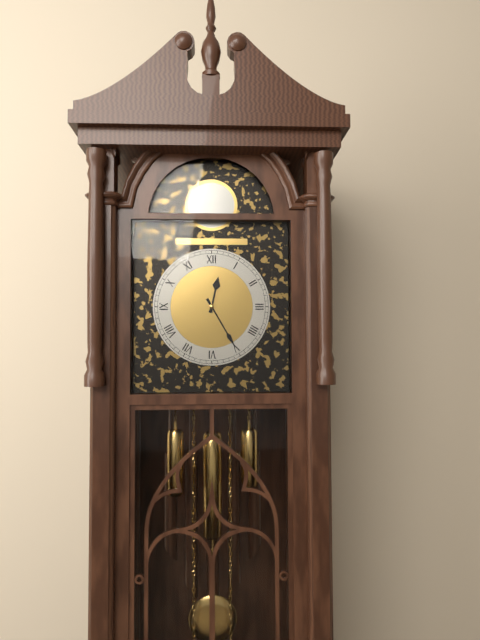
12:25
